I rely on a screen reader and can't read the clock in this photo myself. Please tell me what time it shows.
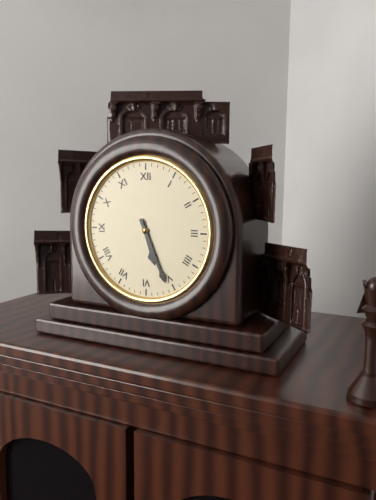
5:26
